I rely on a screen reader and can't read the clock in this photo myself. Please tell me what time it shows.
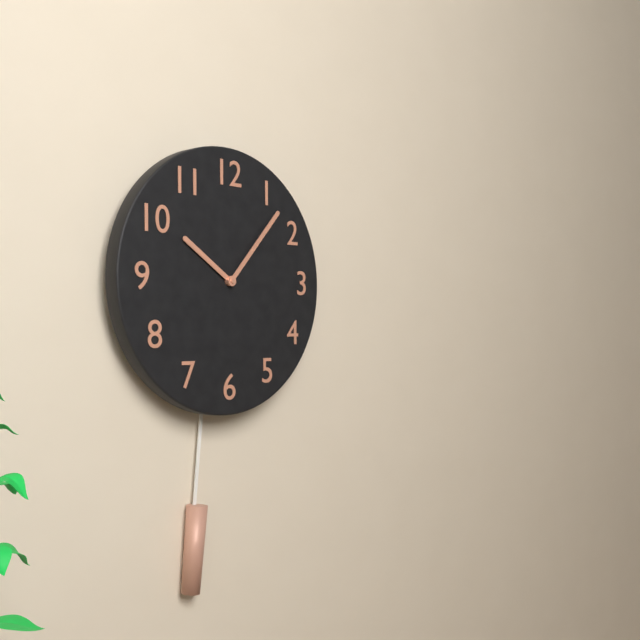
10:07
